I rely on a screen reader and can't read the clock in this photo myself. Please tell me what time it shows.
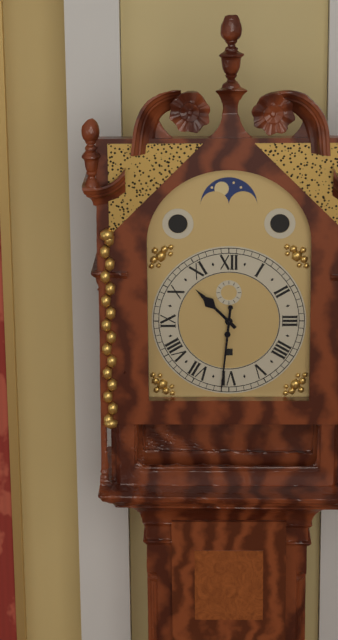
10:31
